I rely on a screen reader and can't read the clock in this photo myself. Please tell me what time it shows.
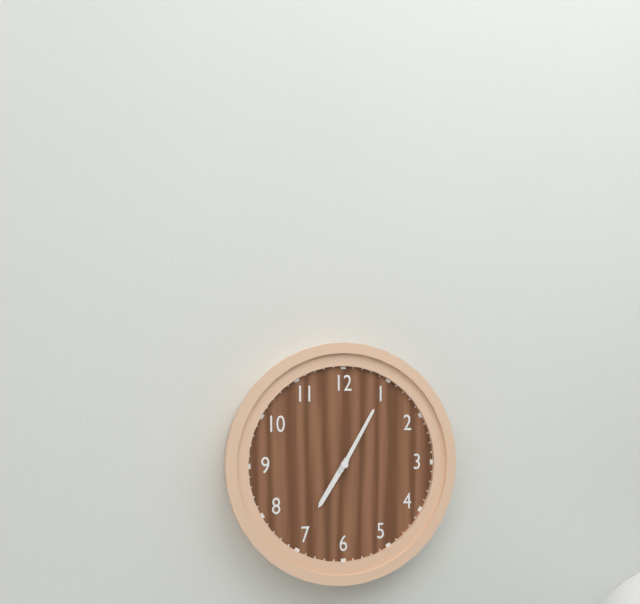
7:05
